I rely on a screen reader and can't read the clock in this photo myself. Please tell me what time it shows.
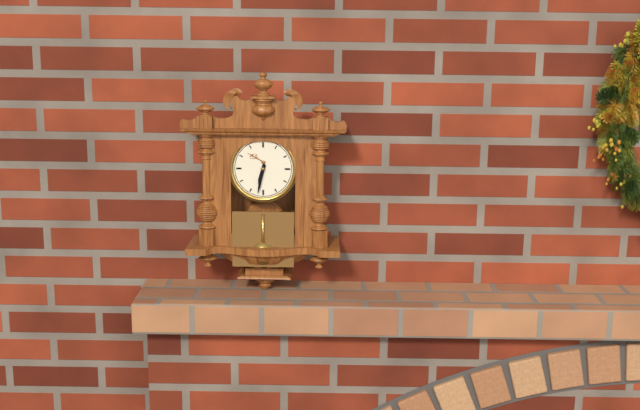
6:32
